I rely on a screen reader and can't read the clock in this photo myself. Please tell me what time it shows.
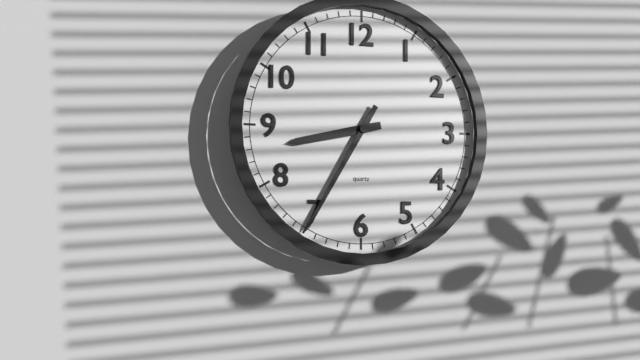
8:35
